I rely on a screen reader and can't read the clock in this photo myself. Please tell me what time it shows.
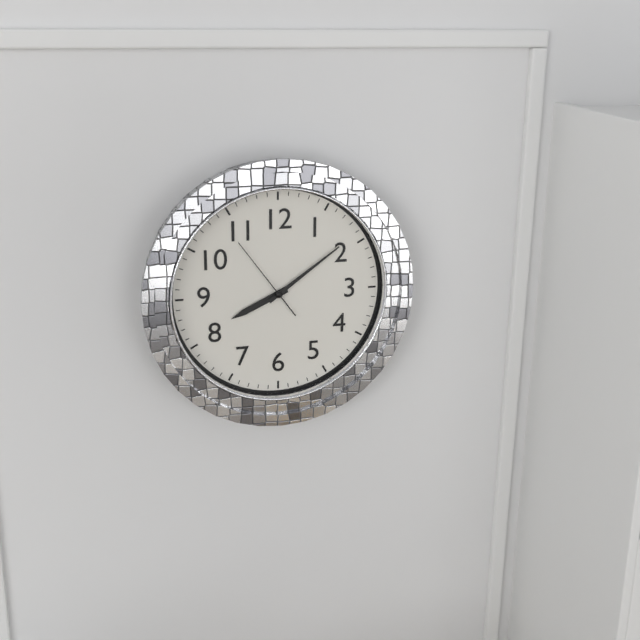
8:09:54
